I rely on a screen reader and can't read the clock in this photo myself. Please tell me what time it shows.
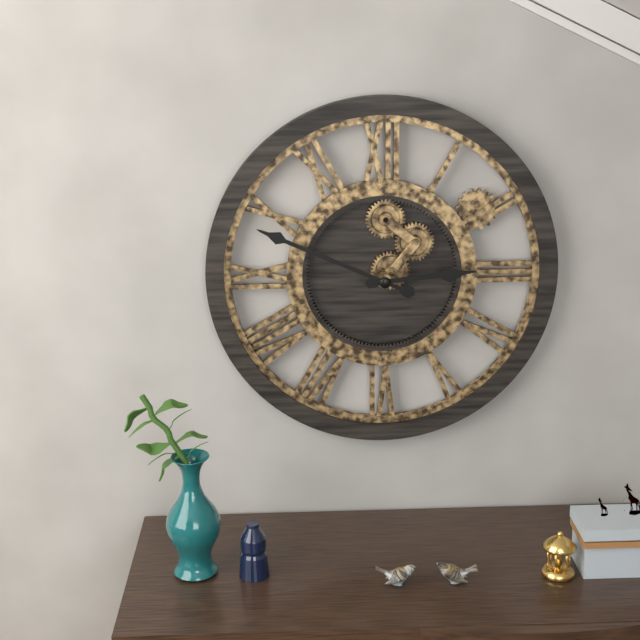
2:49
